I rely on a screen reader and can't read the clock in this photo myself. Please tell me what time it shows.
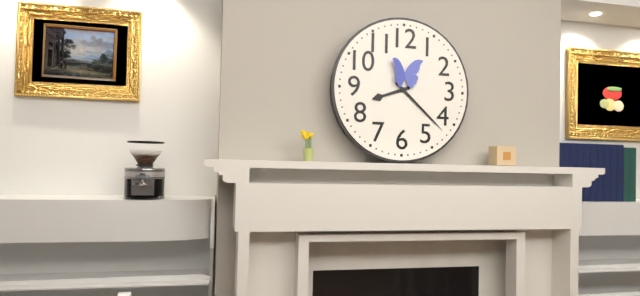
8:22
